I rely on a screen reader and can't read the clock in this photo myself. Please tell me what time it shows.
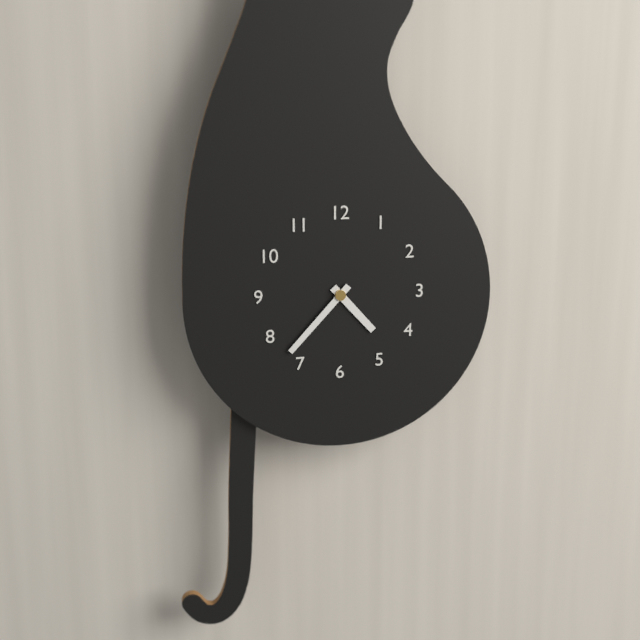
4:37
